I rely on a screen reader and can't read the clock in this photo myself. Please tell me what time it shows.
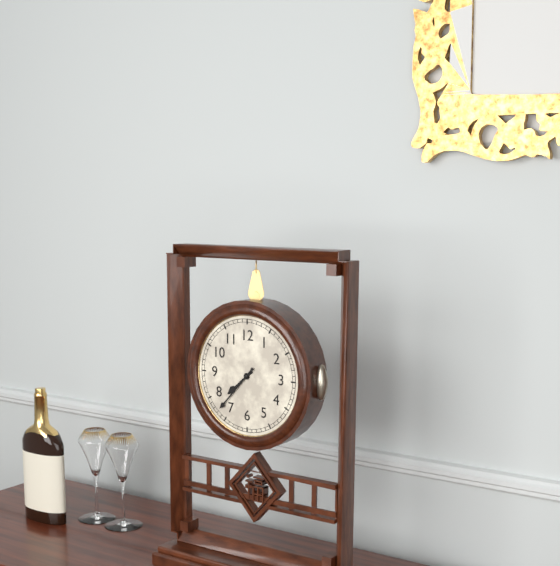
7:37
